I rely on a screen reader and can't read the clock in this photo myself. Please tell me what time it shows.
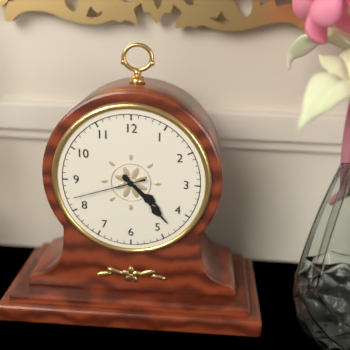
4:23:42
